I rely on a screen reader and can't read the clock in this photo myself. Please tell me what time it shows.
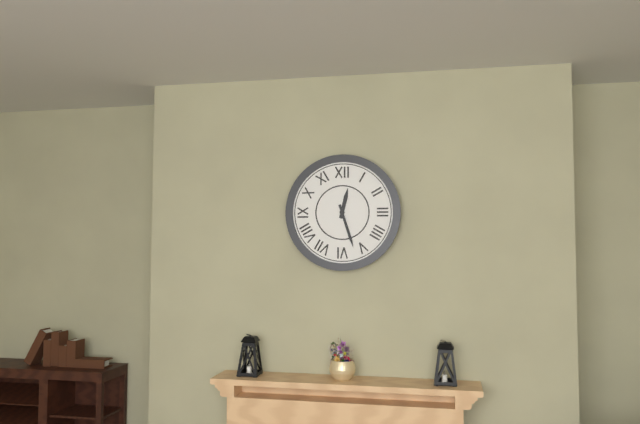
12:27
